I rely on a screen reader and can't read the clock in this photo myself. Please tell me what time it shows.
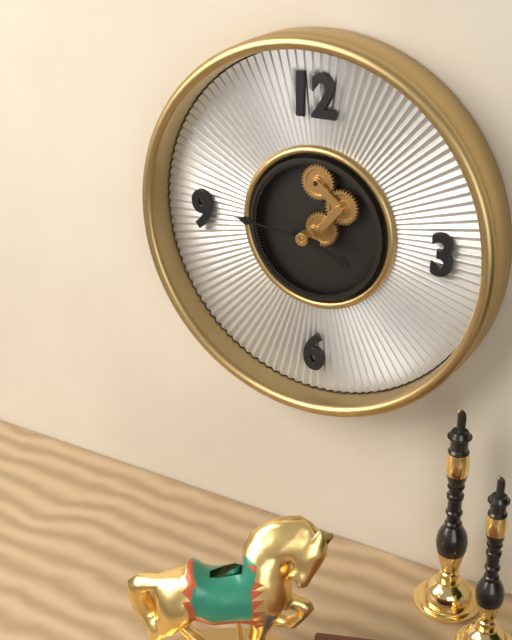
3:46
